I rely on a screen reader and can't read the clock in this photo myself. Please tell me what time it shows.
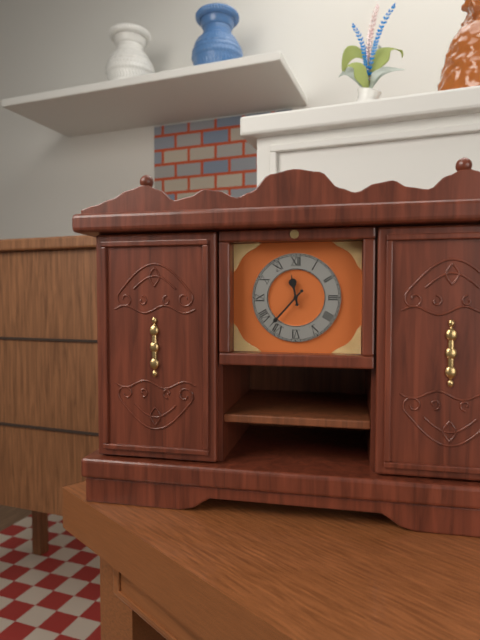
11:37
